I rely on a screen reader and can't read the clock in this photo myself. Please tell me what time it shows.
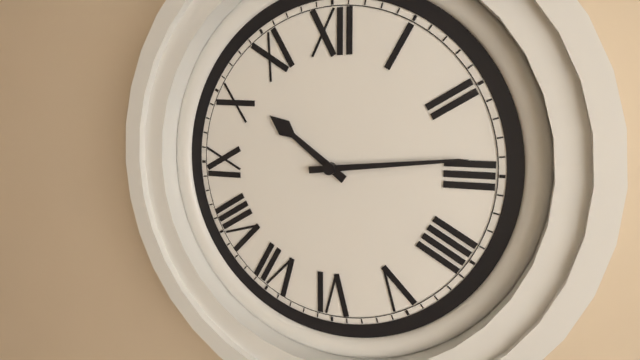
10:14
